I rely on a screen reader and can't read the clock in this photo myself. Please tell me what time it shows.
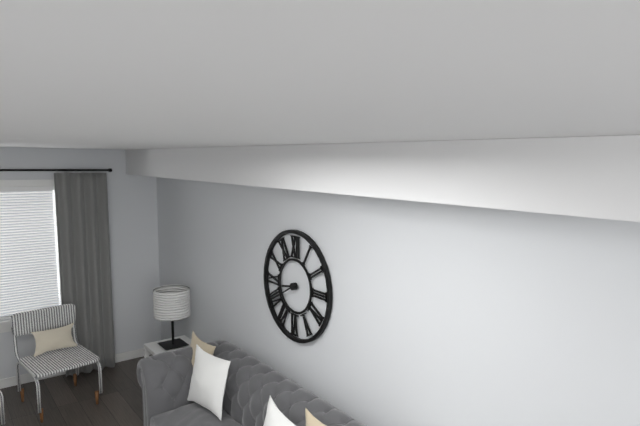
8:40
